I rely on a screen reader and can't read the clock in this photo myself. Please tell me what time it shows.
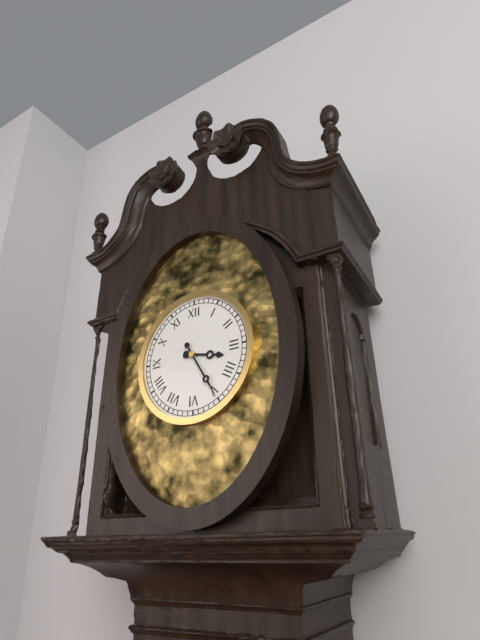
3:25
